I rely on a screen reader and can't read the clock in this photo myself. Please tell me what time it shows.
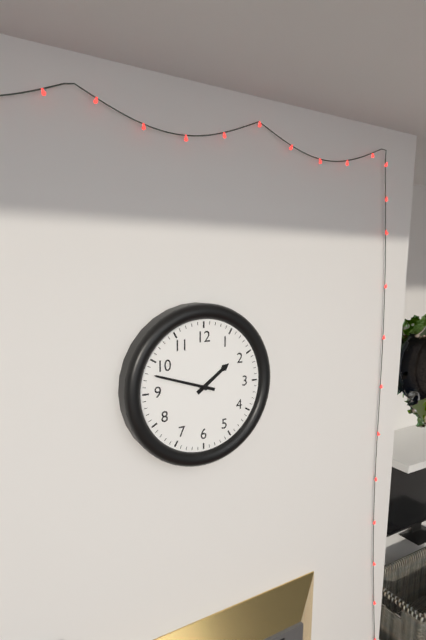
1:48
